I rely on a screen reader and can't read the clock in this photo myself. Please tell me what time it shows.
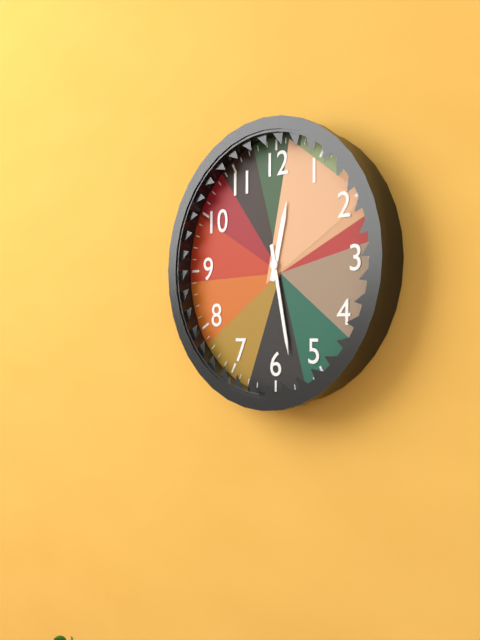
12:28
